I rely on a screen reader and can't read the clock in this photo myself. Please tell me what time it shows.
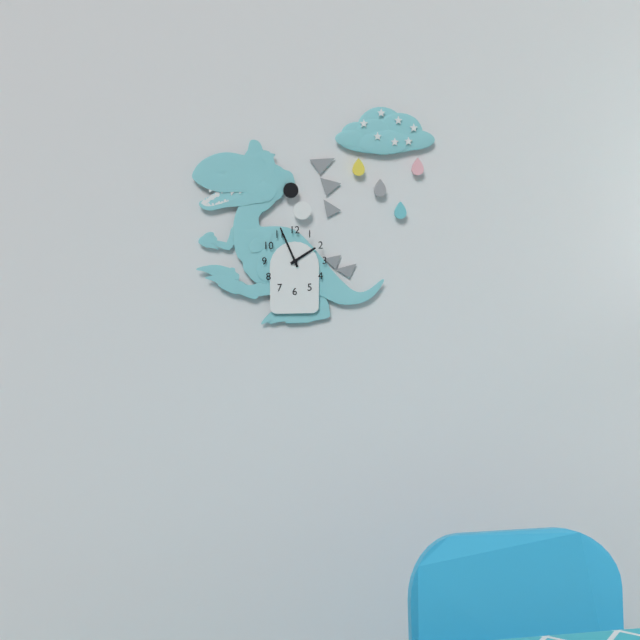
1:56
